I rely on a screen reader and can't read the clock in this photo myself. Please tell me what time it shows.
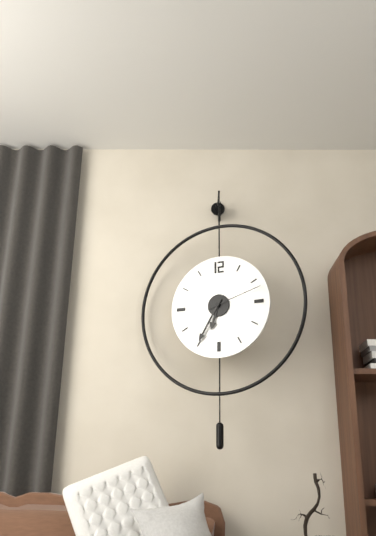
6:35:12
